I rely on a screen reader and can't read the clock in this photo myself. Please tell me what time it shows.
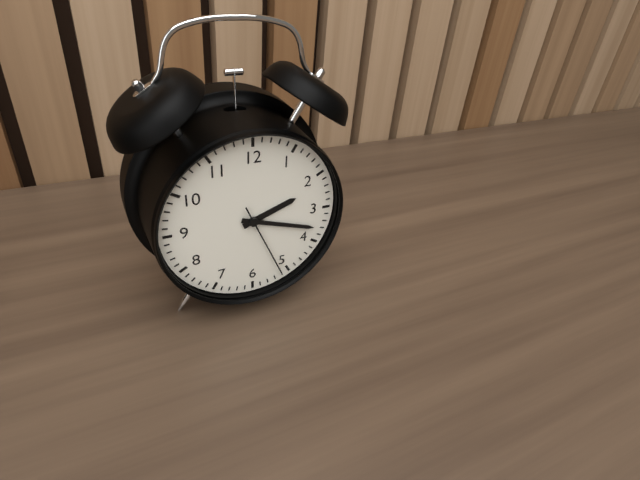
2:18:26
